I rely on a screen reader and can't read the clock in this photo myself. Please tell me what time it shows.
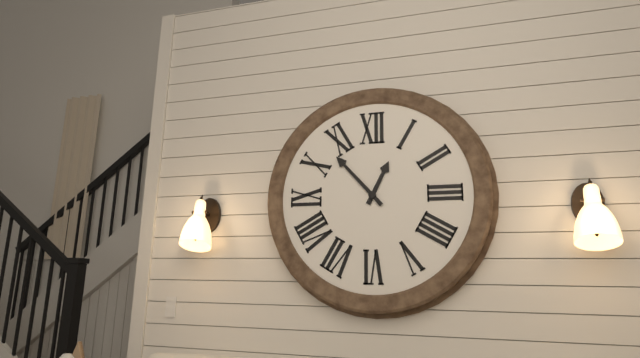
12:53
